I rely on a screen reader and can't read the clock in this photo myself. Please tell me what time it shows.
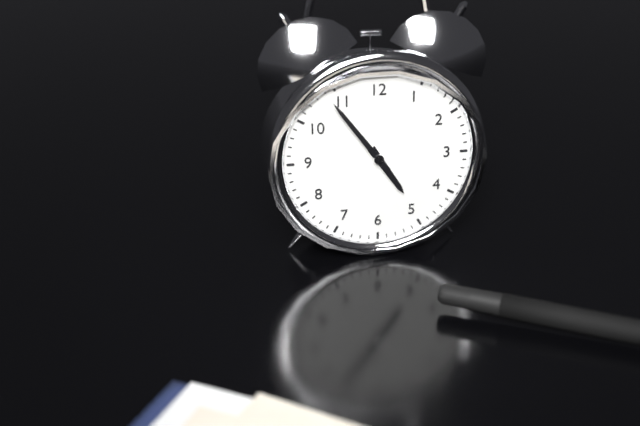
4:54
